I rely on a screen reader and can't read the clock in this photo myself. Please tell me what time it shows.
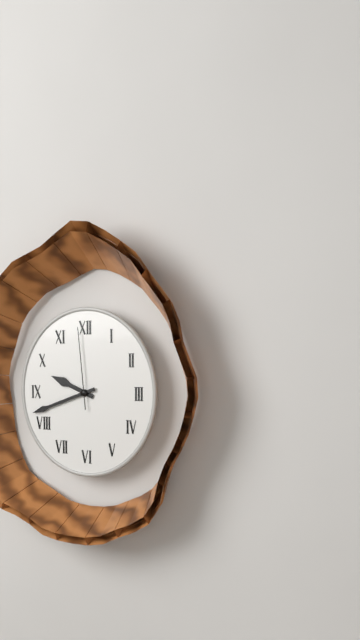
9:42:59
